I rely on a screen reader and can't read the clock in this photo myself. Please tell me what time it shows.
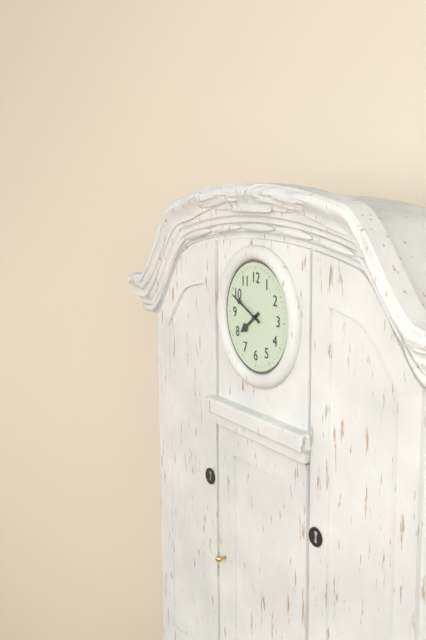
7:49
